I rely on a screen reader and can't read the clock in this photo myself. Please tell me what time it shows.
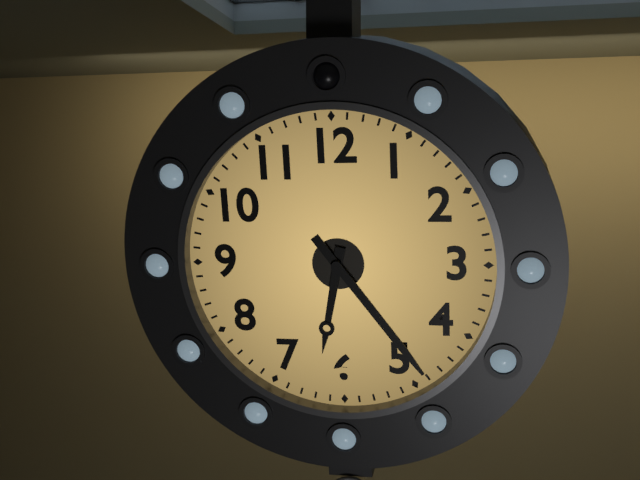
6:24
